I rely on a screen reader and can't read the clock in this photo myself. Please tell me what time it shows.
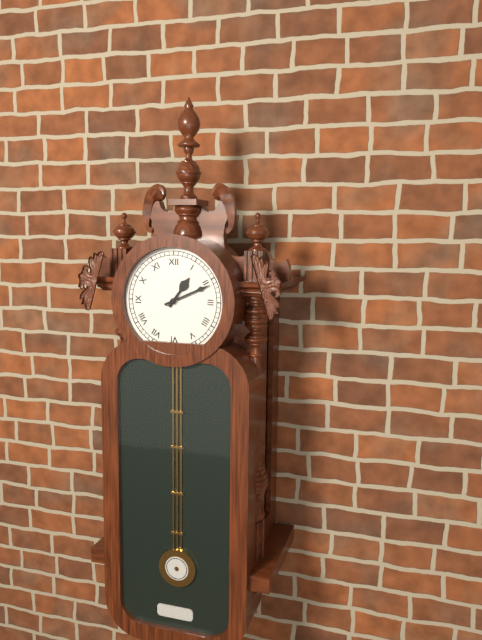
1:11
